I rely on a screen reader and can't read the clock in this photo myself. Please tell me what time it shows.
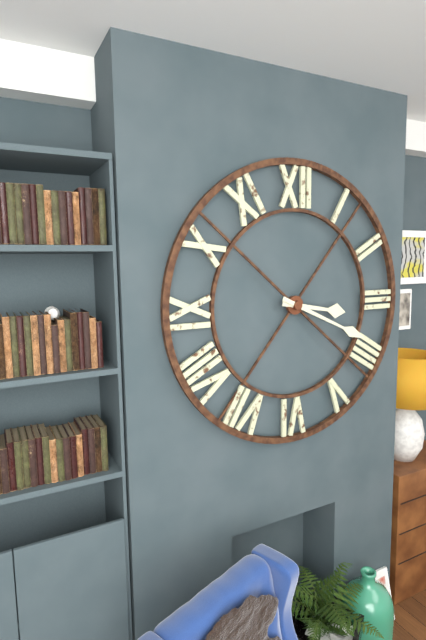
3:19
